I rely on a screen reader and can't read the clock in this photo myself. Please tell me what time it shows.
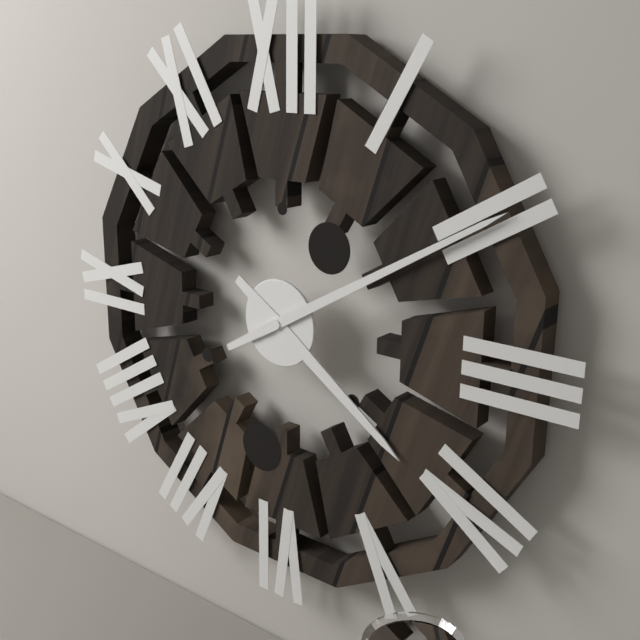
4:10
